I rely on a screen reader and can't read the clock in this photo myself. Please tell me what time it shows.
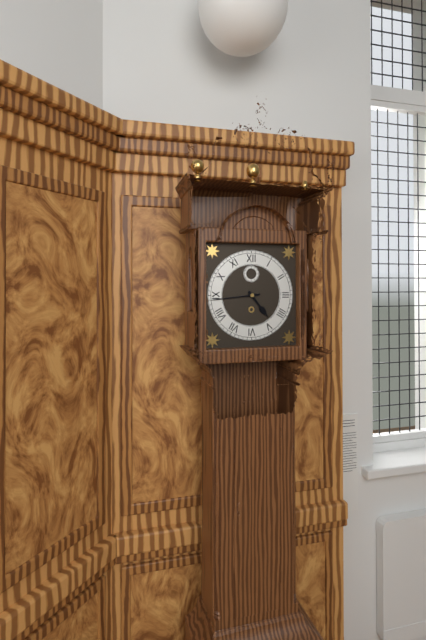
4:44
